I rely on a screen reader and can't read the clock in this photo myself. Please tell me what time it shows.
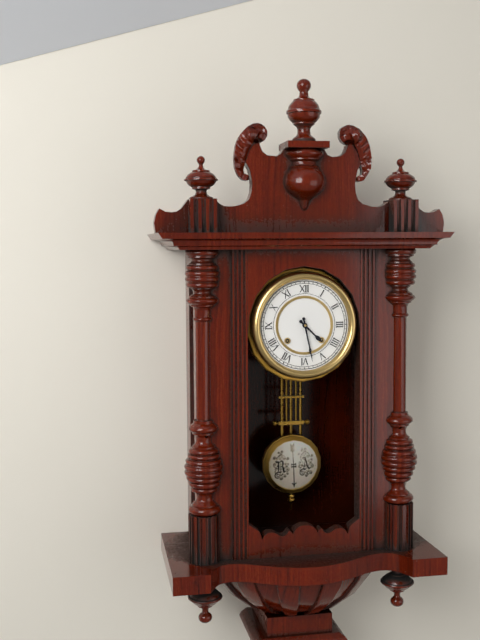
4:28
